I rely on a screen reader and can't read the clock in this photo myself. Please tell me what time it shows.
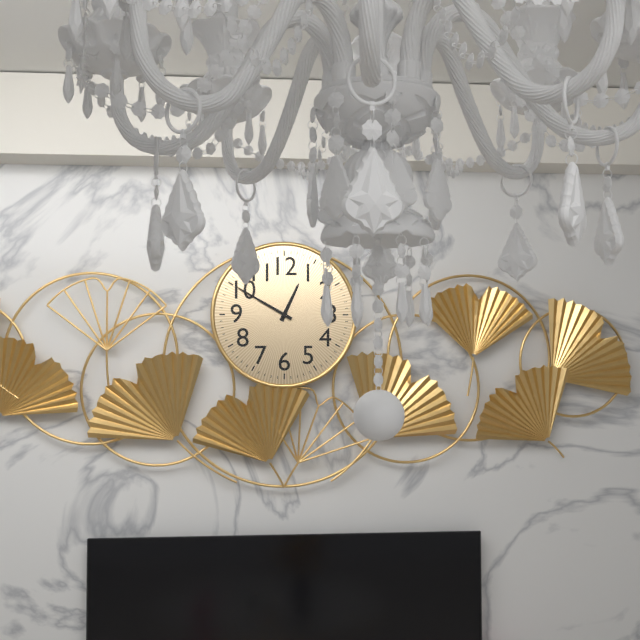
12:50
